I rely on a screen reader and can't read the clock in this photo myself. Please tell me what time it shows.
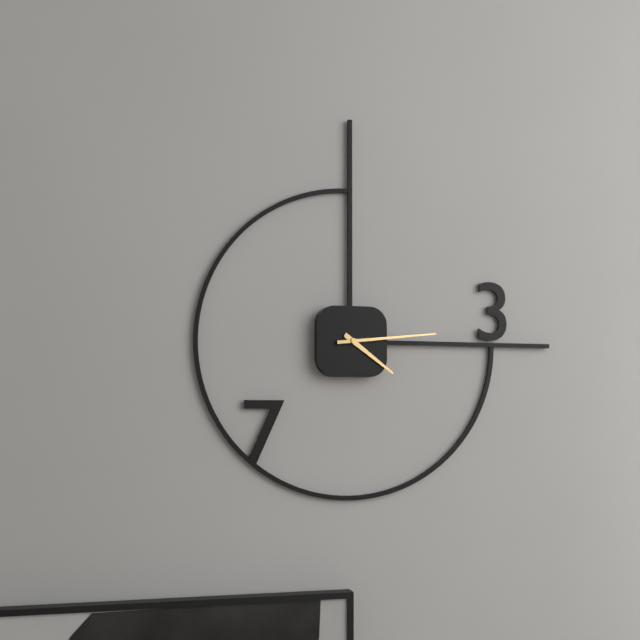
4:14
